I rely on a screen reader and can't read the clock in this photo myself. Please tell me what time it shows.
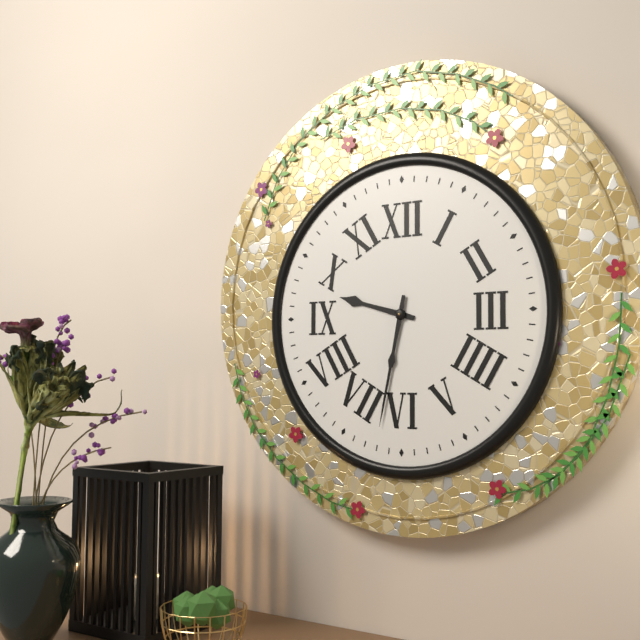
9:32
